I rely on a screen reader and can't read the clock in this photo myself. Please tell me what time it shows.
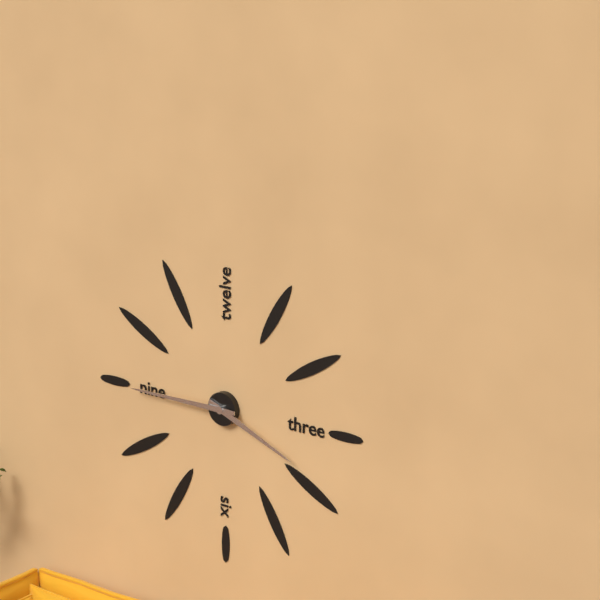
3:45
